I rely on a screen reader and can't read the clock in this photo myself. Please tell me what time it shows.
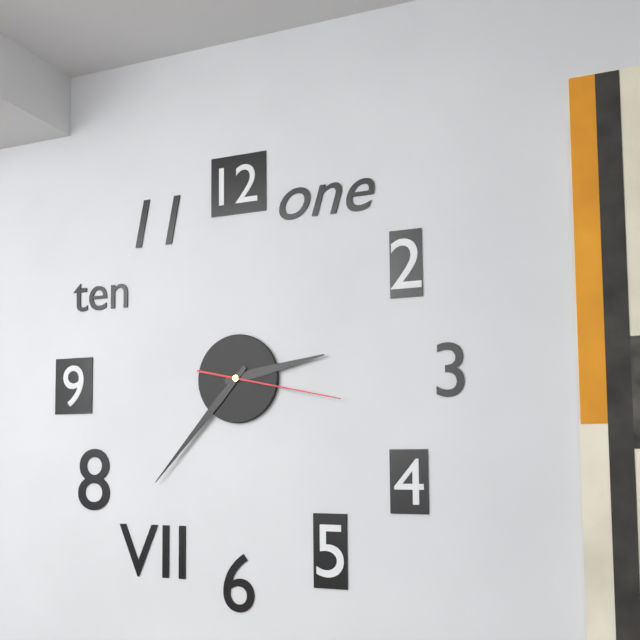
2:37:17
